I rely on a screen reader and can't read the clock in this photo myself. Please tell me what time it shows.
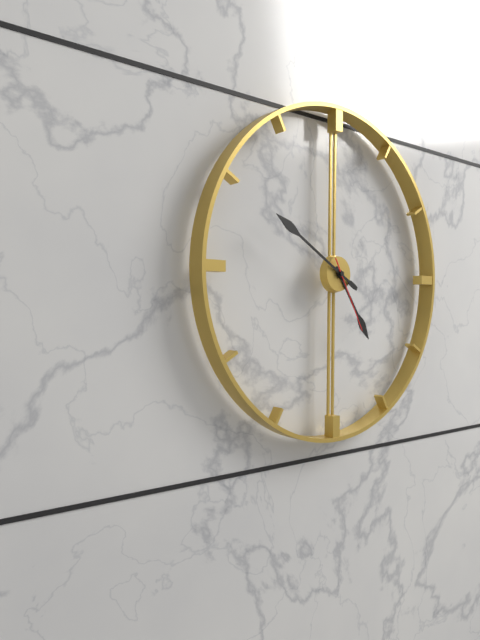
4:50:25
